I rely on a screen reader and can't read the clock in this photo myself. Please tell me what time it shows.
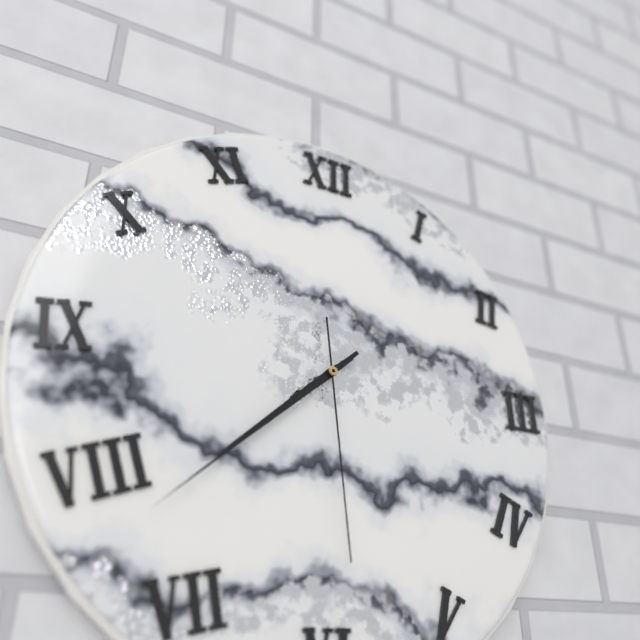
7:38:29
